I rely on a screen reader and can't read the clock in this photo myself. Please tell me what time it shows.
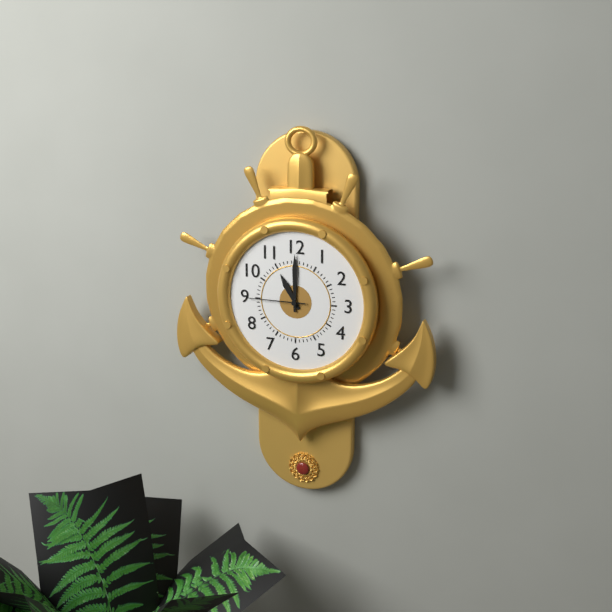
11:00:45
